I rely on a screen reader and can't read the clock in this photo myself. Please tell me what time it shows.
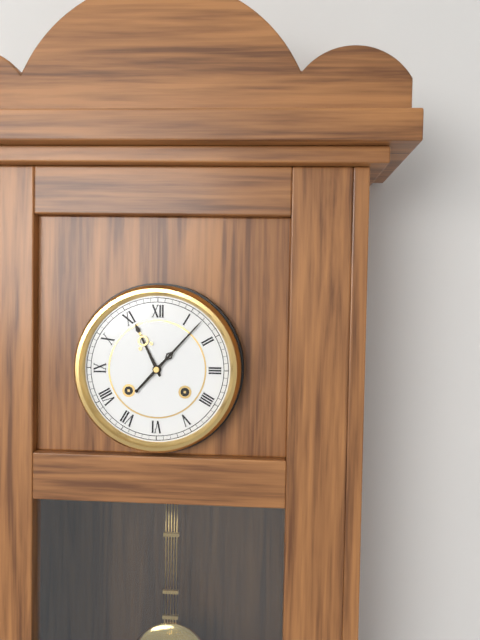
11:07
